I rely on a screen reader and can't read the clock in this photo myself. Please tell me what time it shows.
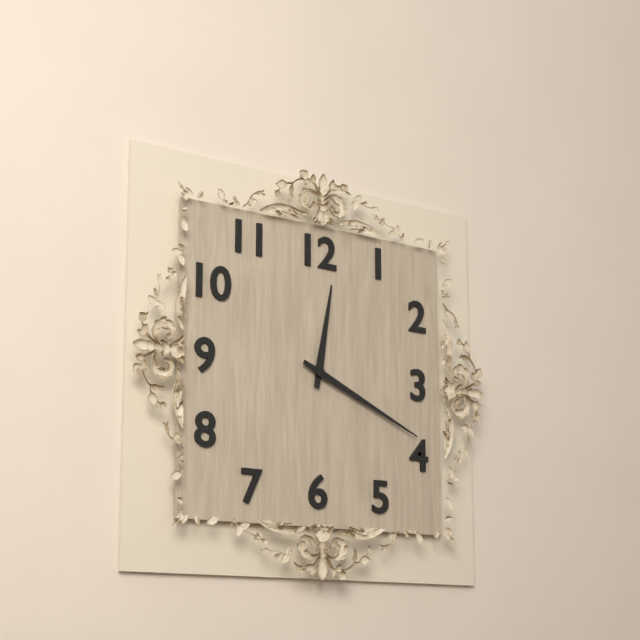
12:19
